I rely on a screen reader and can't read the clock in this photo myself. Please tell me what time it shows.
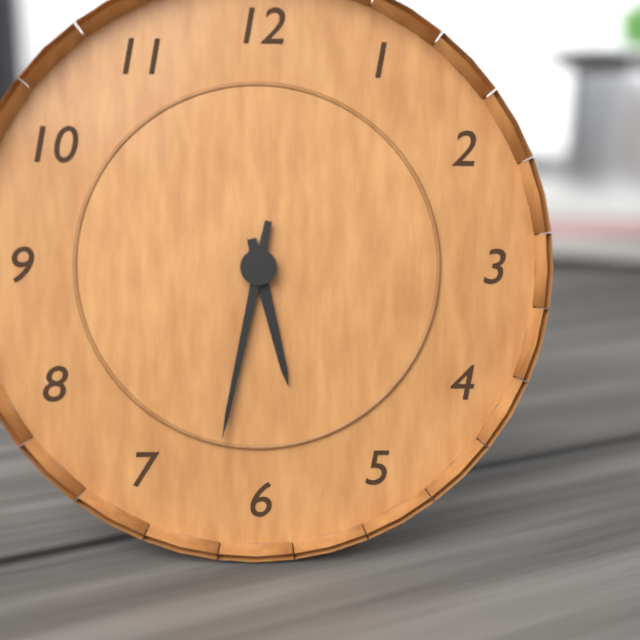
5:32
